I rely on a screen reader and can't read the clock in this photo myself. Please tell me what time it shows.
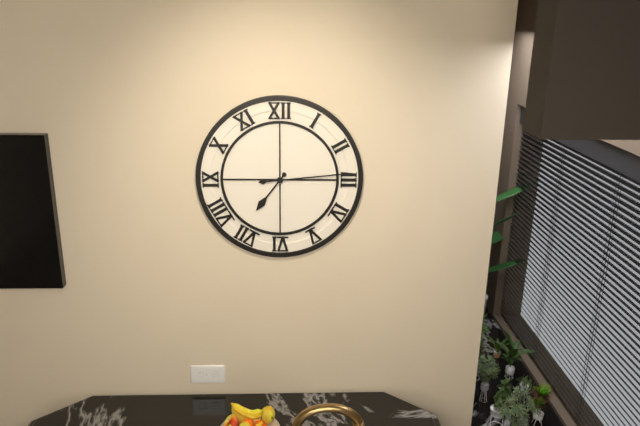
7:14
